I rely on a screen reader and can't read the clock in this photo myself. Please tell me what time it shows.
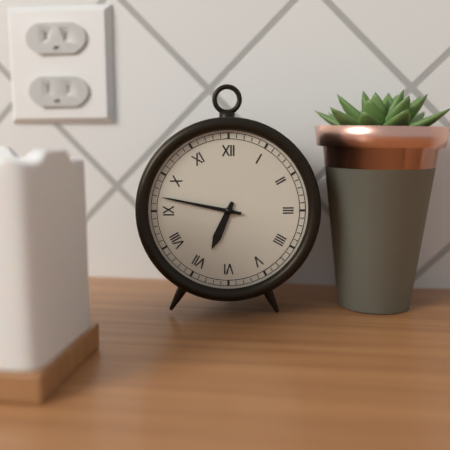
6:47
